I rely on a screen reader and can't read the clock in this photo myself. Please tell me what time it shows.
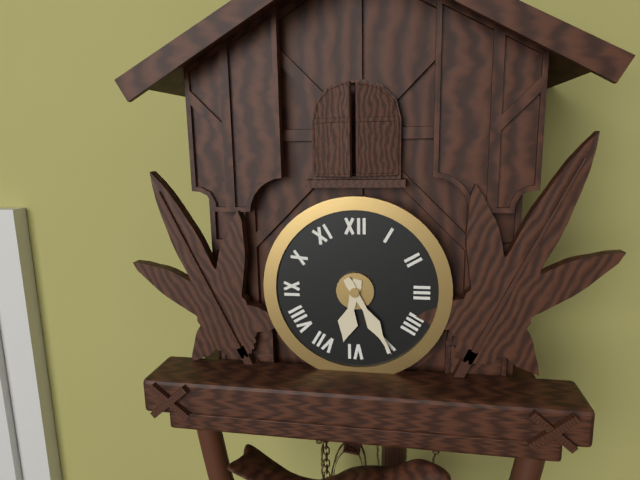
6:25
